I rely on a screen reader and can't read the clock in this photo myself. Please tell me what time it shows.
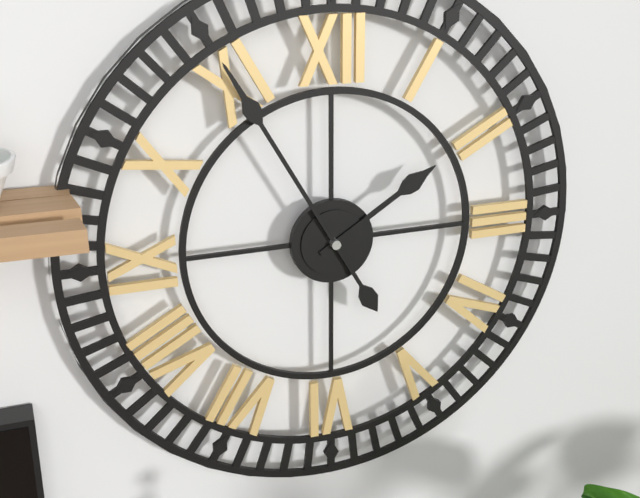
1:55
